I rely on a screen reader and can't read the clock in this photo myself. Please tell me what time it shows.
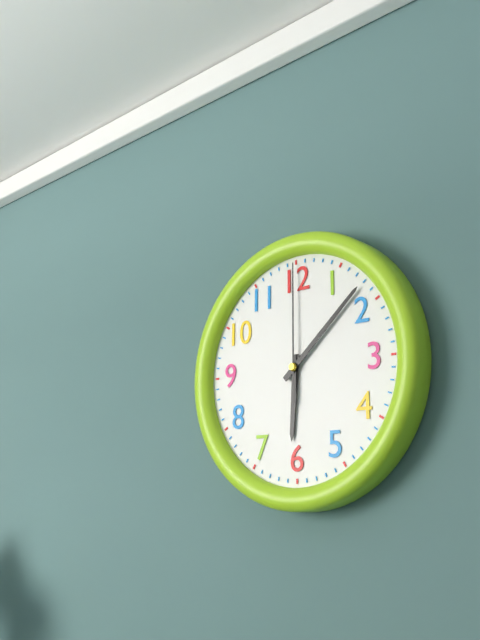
6:08:00
